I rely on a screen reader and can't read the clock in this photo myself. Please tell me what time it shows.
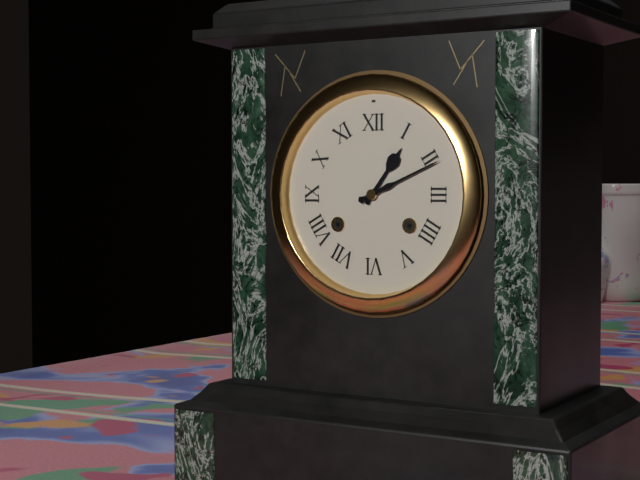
1:11
